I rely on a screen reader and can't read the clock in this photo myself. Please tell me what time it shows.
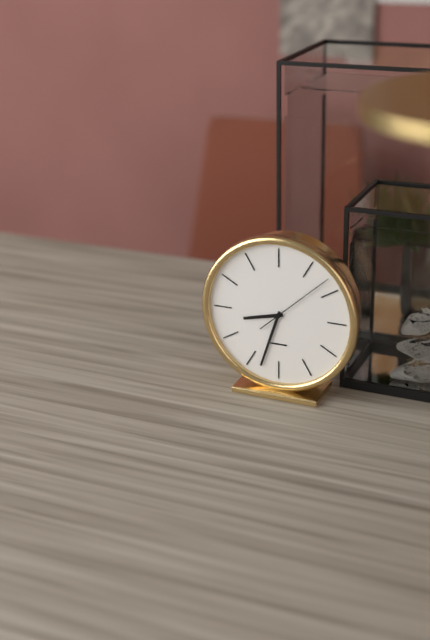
8:33:08
